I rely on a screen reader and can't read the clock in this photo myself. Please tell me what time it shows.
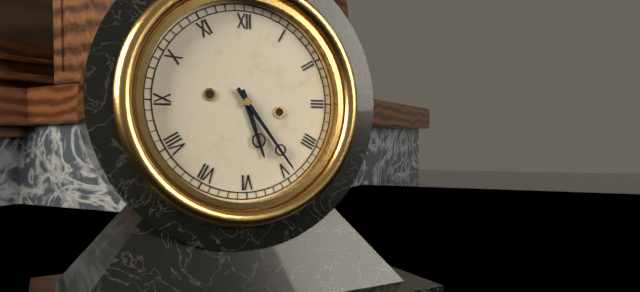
5:24
